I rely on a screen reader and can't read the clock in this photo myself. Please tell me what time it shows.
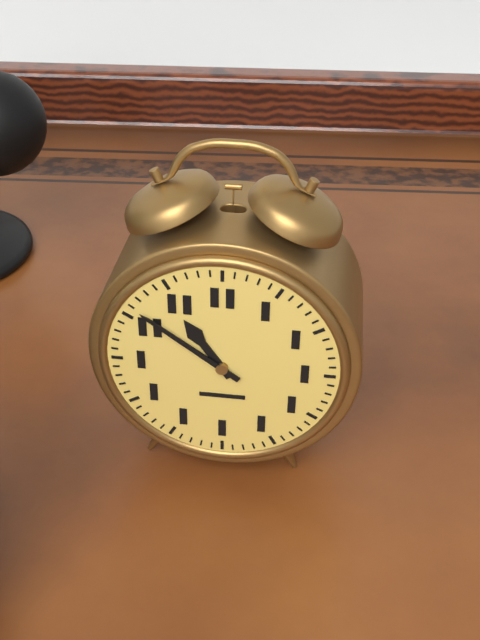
10:51
